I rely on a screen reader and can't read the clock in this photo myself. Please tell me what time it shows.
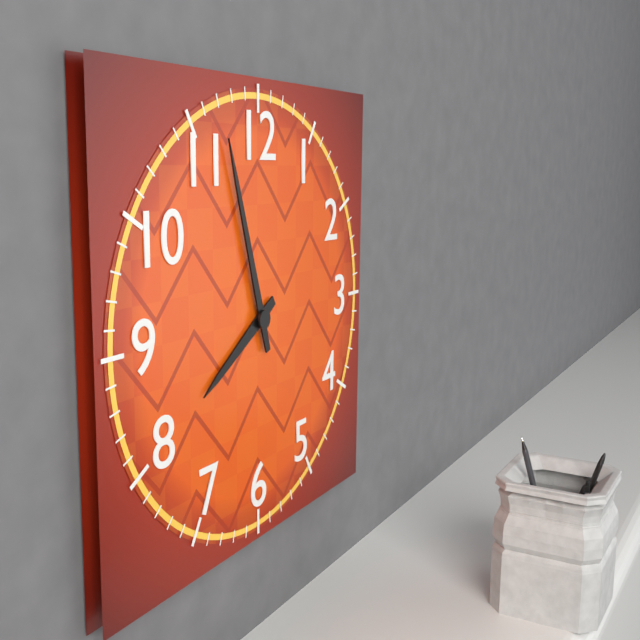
7:57
